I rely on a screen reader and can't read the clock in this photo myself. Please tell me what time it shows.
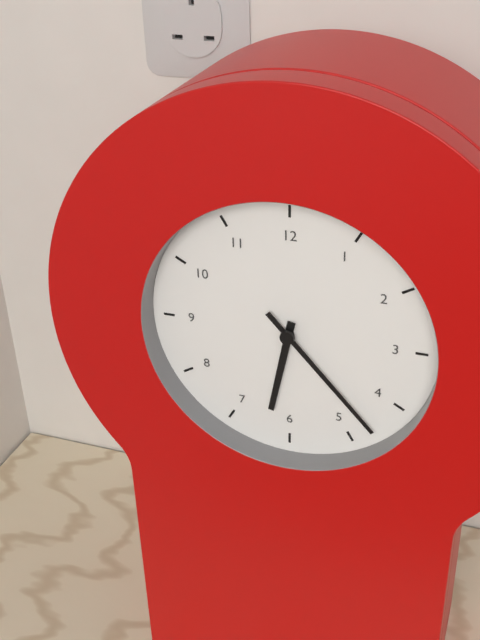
6:23
